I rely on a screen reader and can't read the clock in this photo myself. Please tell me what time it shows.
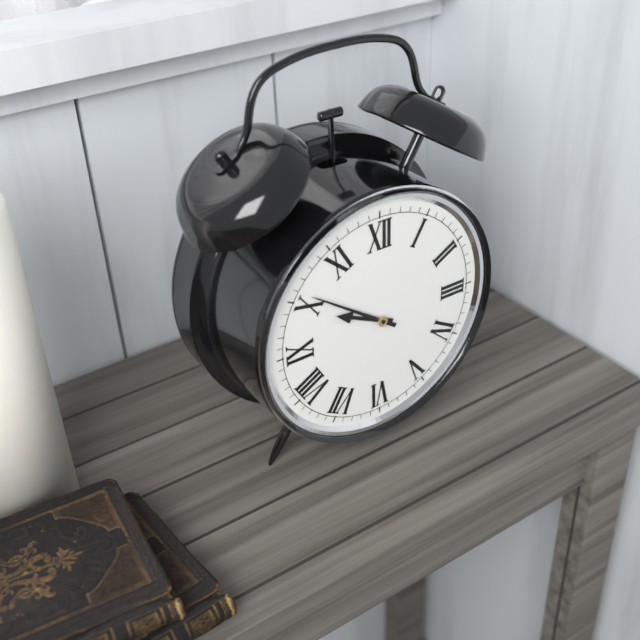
9:51
